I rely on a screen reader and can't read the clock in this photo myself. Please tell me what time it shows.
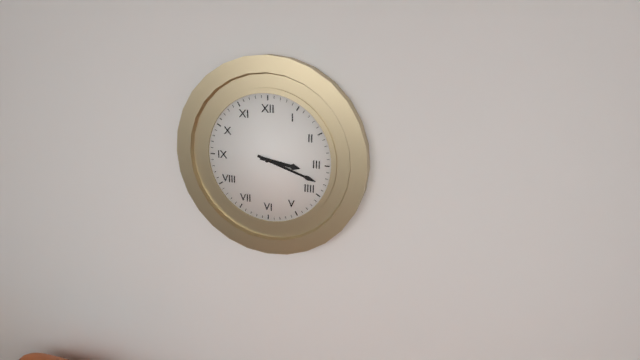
3:18
